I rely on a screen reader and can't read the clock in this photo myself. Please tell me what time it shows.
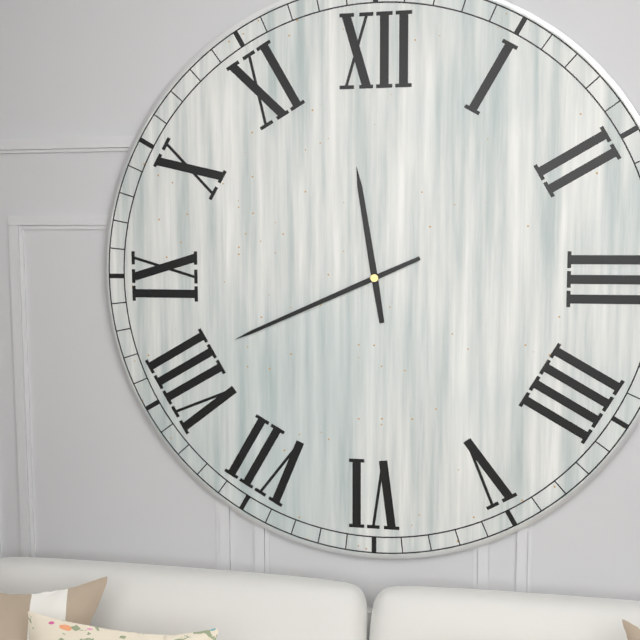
11:41
